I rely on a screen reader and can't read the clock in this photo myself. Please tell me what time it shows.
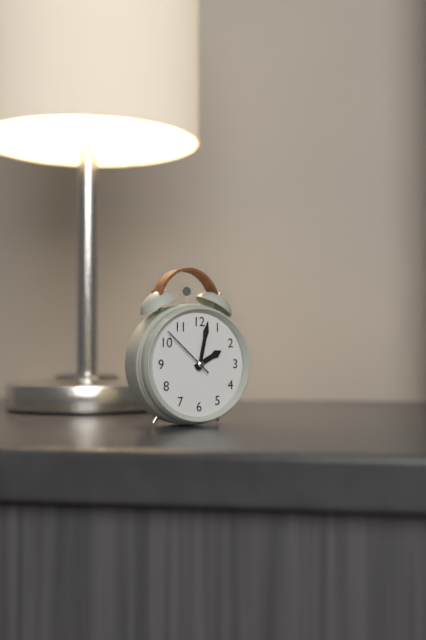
2:02:52
